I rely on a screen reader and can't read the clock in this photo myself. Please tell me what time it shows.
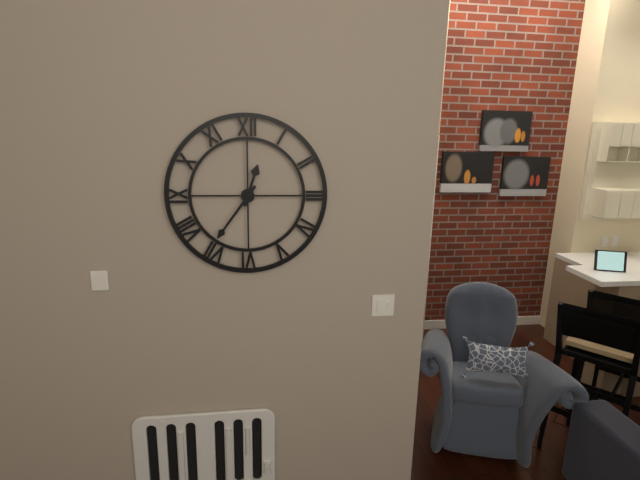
12:36
